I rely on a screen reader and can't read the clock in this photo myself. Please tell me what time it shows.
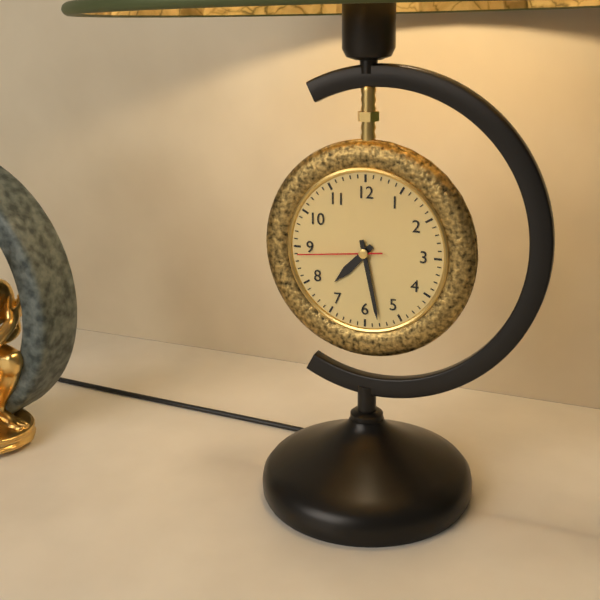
7:28:44
